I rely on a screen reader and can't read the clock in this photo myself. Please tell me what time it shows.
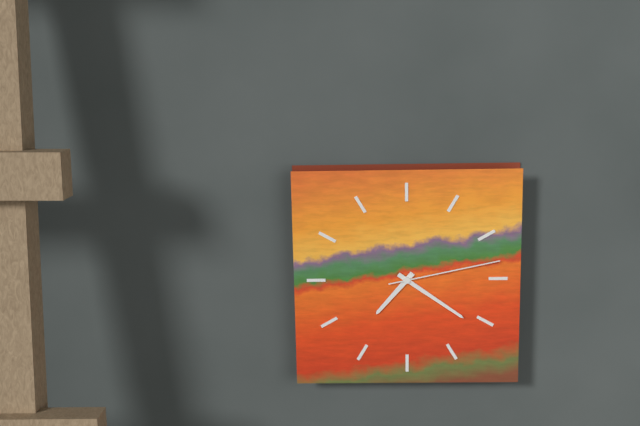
7:21:13
